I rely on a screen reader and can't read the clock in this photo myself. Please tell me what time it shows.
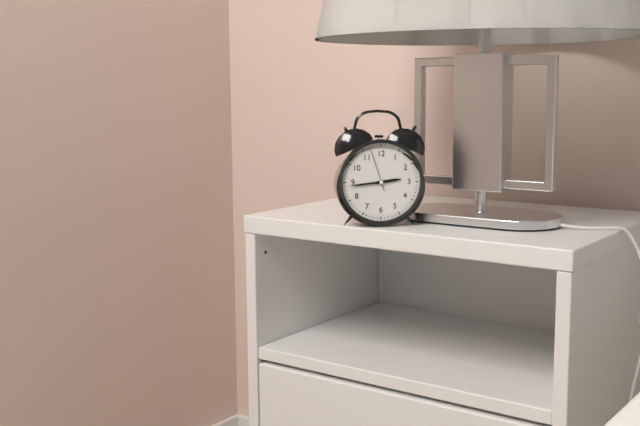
2:44
